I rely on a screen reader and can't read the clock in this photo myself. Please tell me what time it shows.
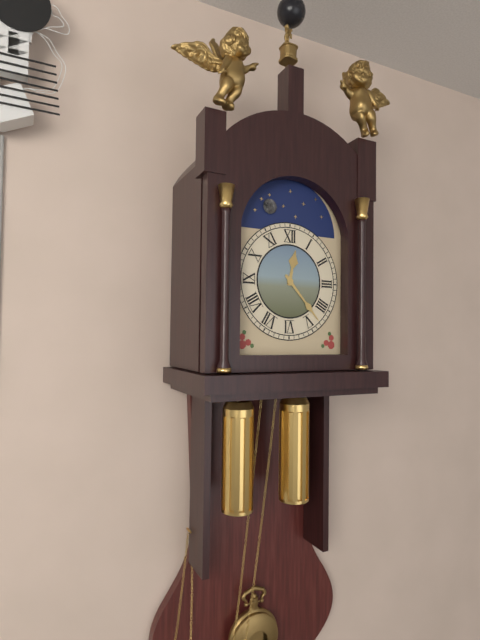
12:23
